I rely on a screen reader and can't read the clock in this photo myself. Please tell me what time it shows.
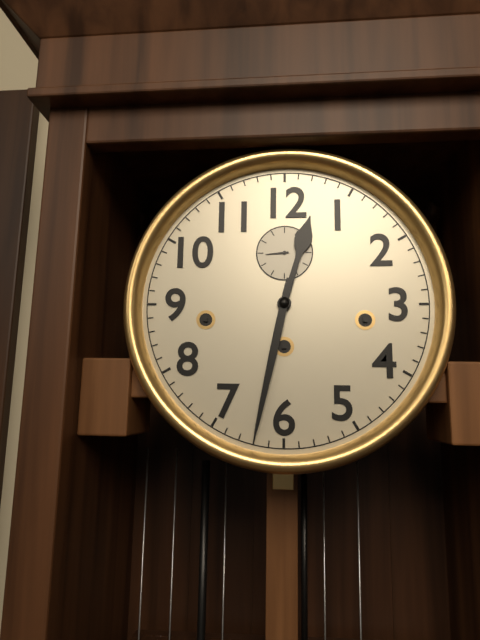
12:32
